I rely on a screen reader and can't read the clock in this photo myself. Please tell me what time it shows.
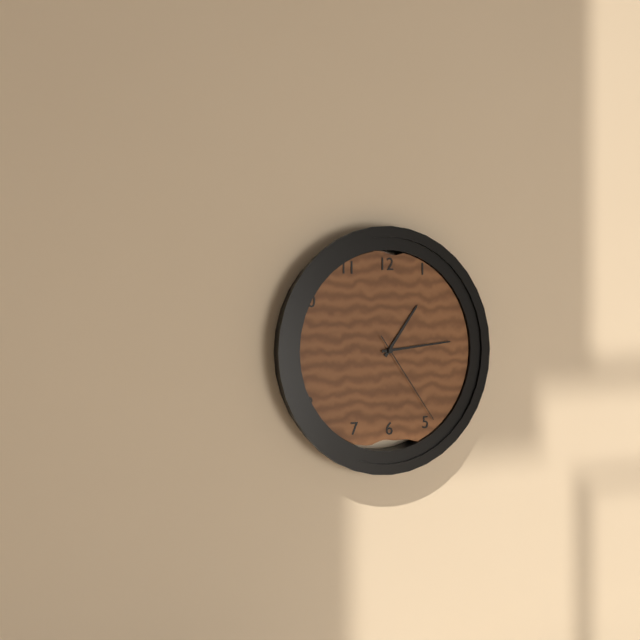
1:14:24
